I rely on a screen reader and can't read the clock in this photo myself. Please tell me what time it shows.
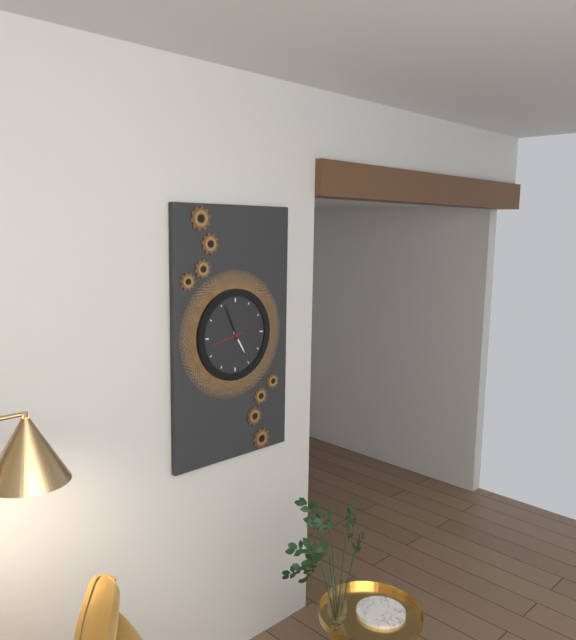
4:56
